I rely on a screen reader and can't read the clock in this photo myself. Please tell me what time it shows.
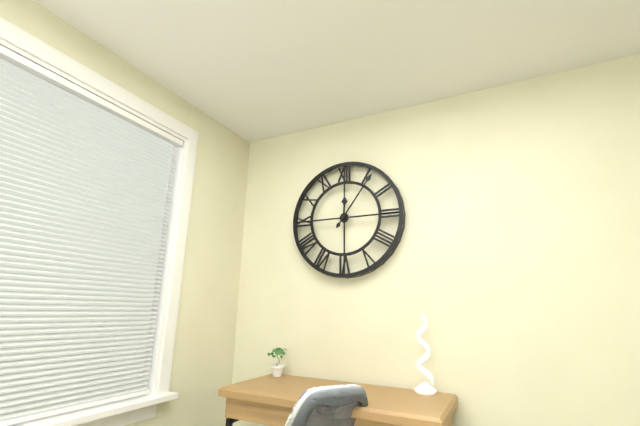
12:06
